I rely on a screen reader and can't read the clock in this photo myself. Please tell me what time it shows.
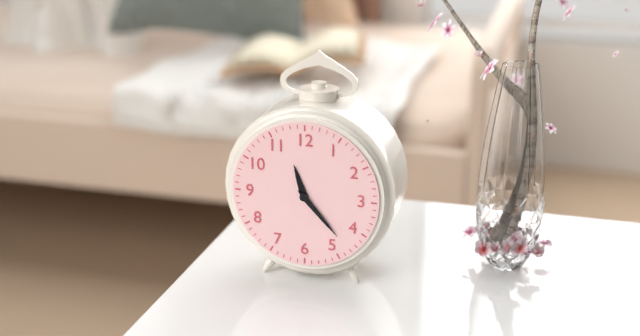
11:23
